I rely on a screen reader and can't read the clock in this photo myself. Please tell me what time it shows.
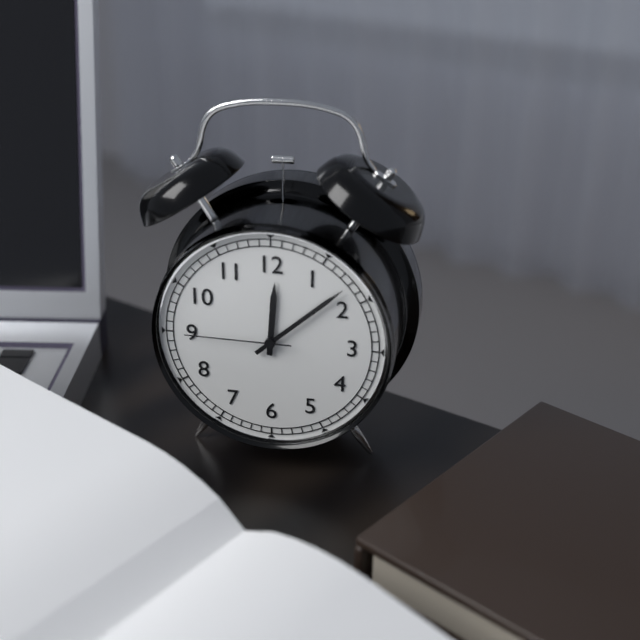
12:08:45
